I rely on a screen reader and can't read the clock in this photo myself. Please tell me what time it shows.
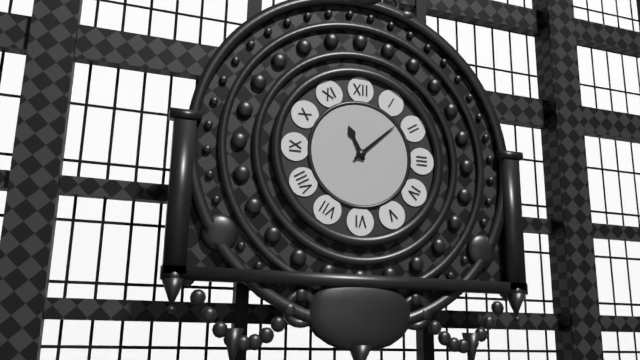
11:08
